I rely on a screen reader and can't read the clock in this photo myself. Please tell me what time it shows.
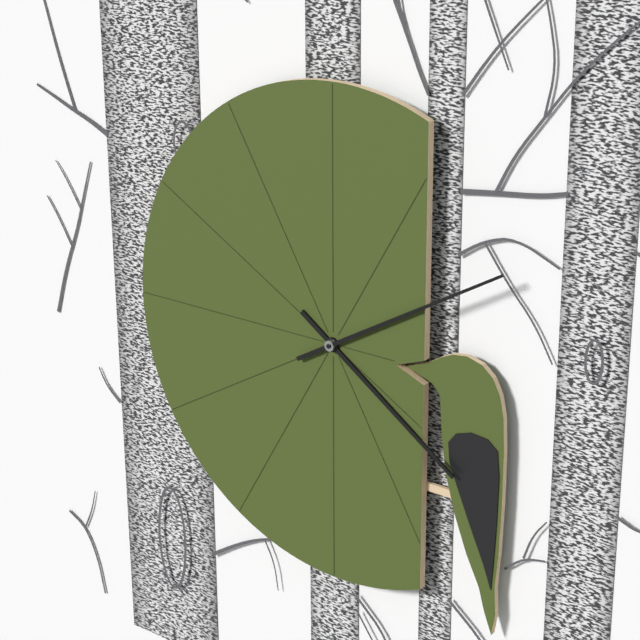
4:10
